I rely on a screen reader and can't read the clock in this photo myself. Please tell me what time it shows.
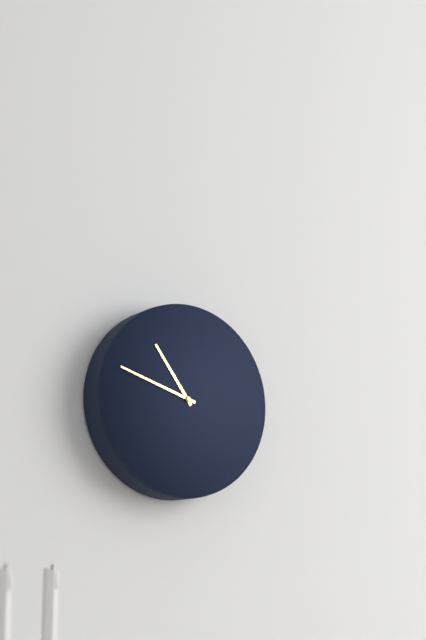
10:48
